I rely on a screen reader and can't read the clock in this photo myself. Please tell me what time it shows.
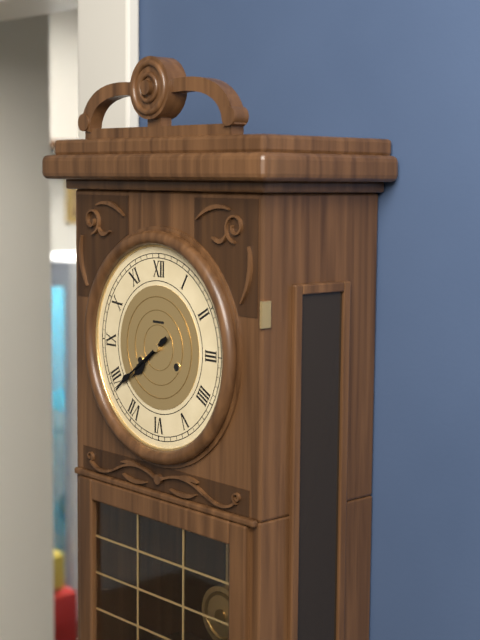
7:39
